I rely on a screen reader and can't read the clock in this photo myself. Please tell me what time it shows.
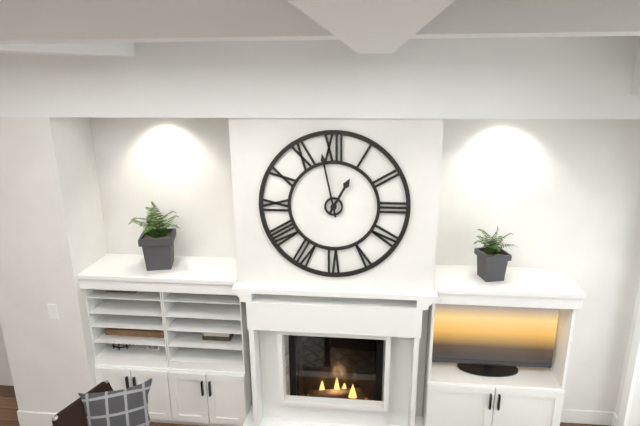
12:58
